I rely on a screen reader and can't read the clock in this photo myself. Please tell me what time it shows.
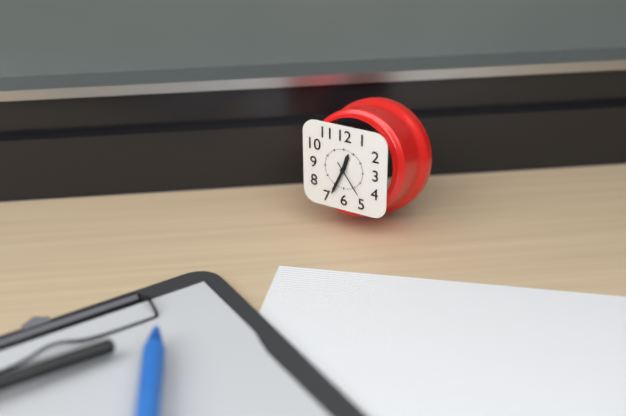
12:34
